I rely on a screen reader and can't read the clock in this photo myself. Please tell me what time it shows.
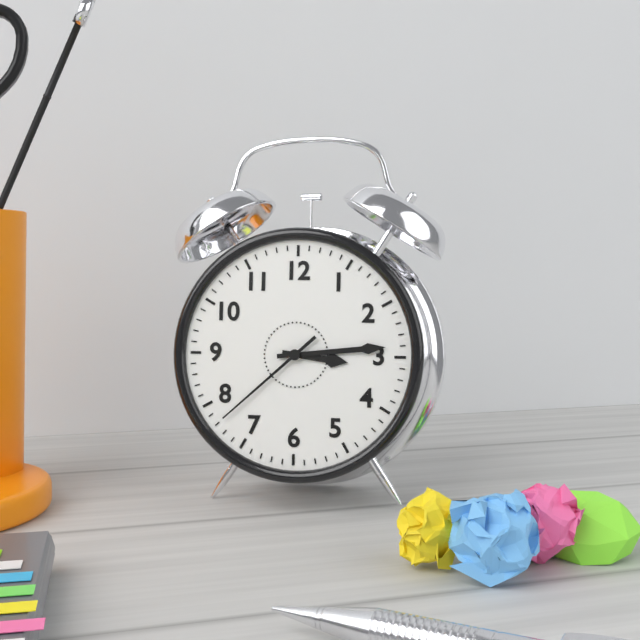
3:14:38
